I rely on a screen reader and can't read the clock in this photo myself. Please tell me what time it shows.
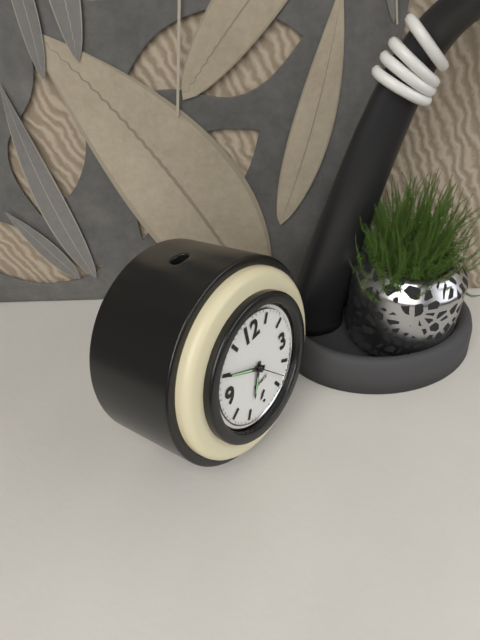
6:50
